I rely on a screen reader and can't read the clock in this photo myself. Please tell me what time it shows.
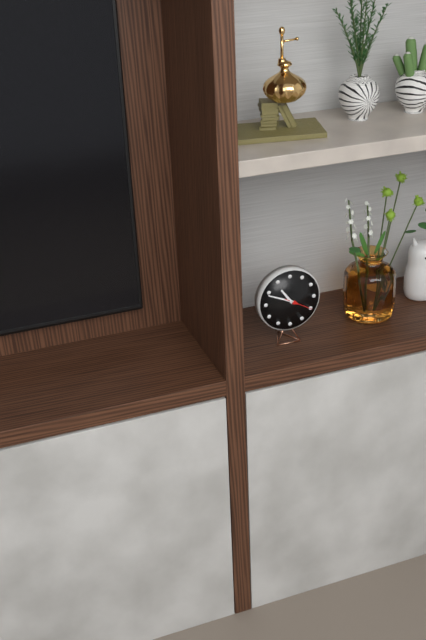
10:49
